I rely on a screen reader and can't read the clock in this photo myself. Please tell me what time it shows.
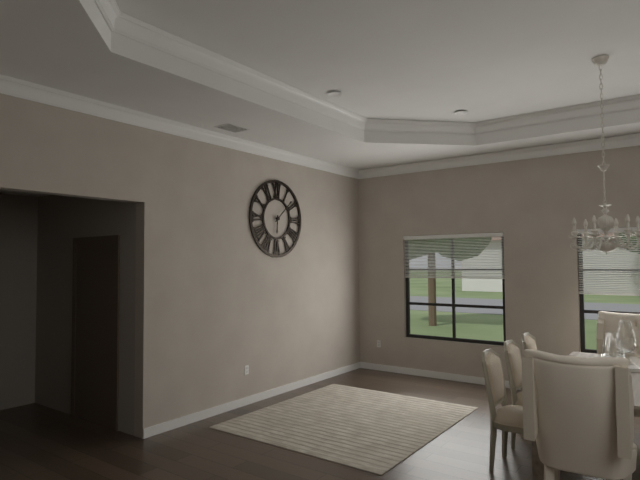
6:08
